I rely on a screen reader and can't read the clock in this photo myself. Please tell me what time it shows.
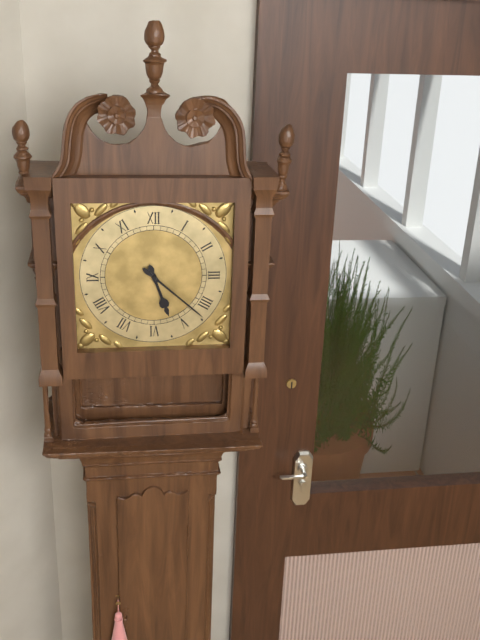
5:22
